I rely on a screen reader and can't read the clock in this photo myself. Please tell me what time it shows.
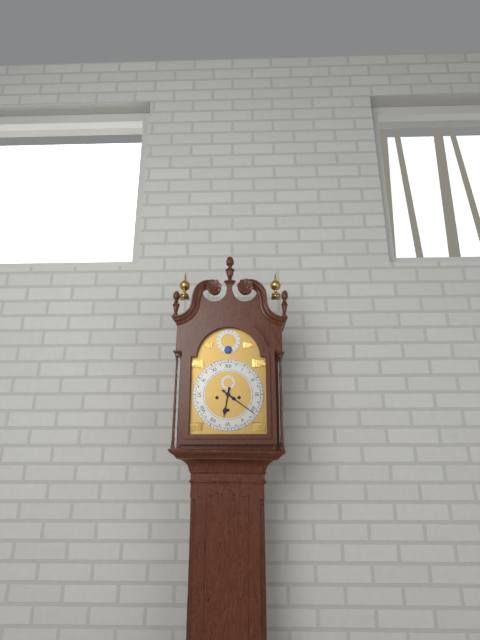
6:21
